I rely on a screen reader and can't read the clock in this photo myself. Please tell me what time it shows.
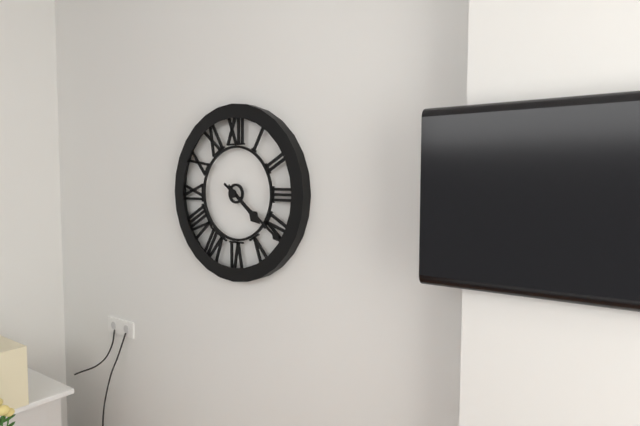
4:21
